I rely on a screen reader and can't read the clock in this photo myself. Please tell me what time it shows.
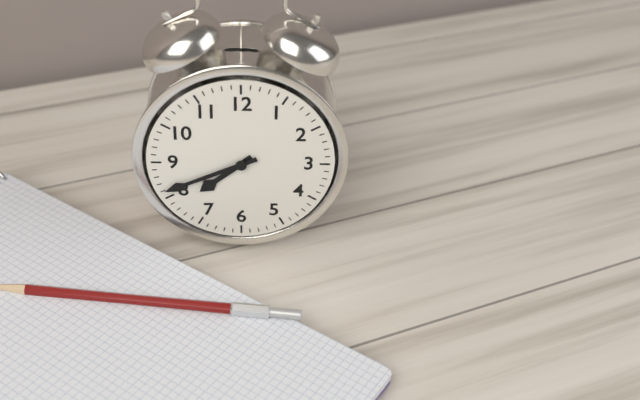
7:41
